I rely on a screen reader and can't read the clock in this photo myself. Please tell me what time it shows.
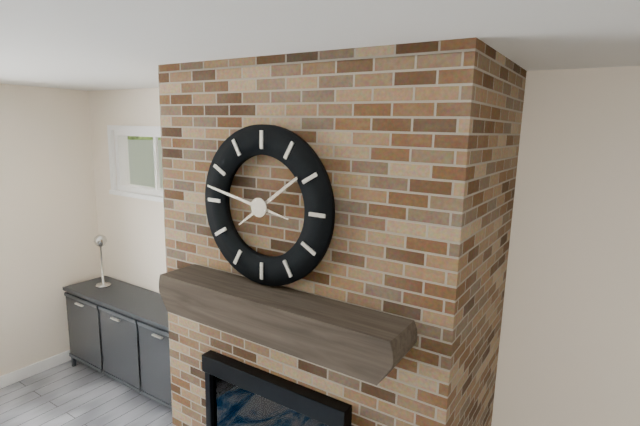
1:47
